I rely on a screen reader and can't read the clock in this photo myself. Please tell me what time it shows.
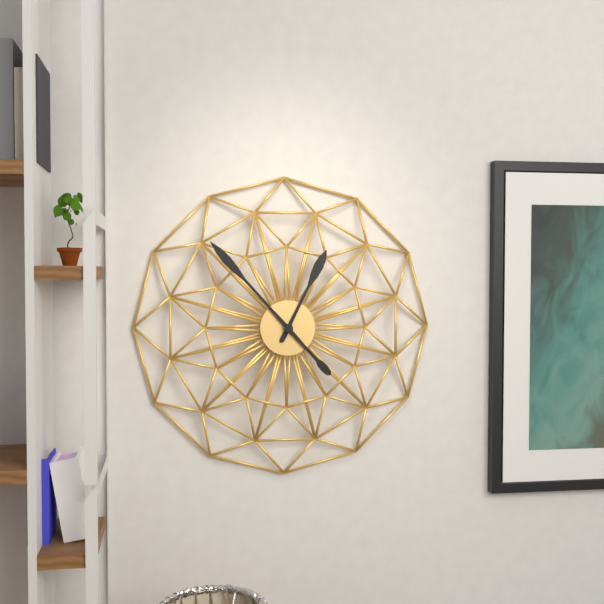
12:53
